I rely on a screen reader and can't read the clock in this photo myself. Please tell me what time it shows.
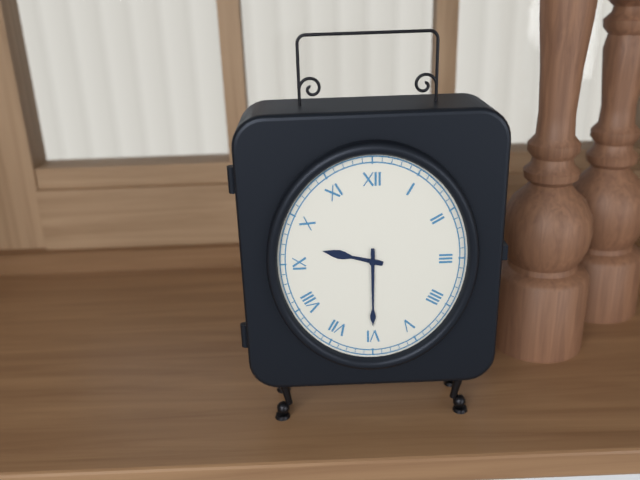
9:30
